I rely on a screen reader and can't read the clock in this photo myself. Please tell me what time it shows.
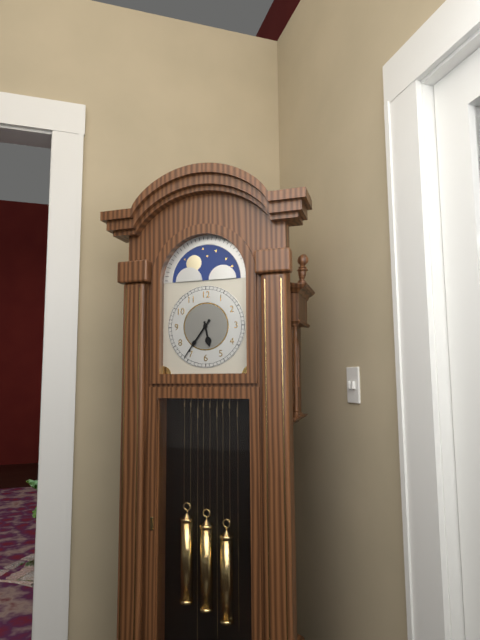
5:36
